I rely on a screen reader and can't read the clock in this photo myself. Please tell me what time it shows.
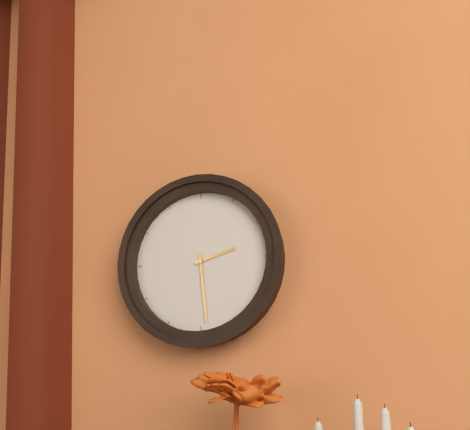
2:29
